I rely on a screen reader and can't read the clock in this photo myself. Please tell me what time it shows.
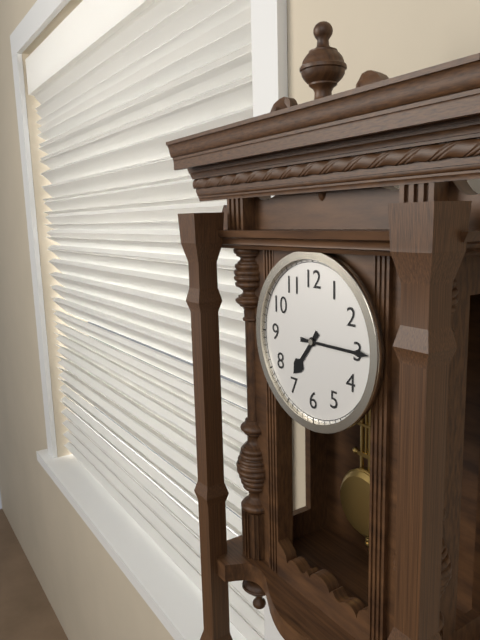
7:15
